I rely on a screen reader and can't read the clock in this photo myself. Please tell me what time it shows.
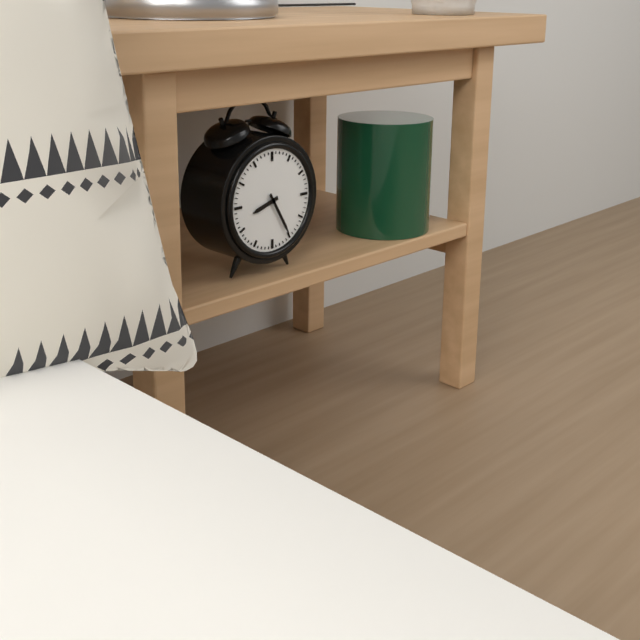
8:25
